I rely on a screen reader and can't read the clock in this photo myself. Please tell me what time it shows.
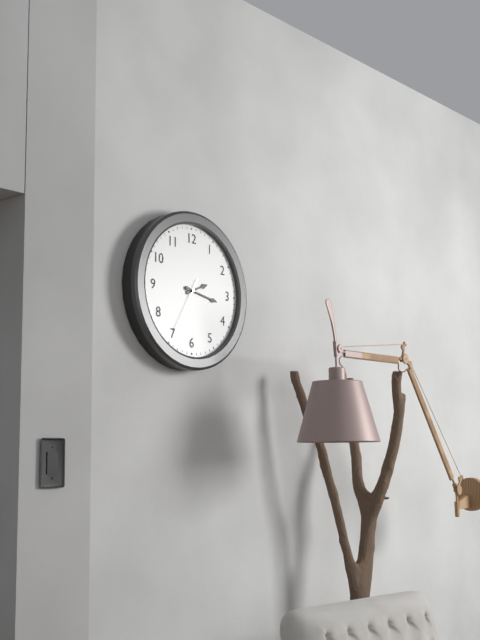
2:17:35
